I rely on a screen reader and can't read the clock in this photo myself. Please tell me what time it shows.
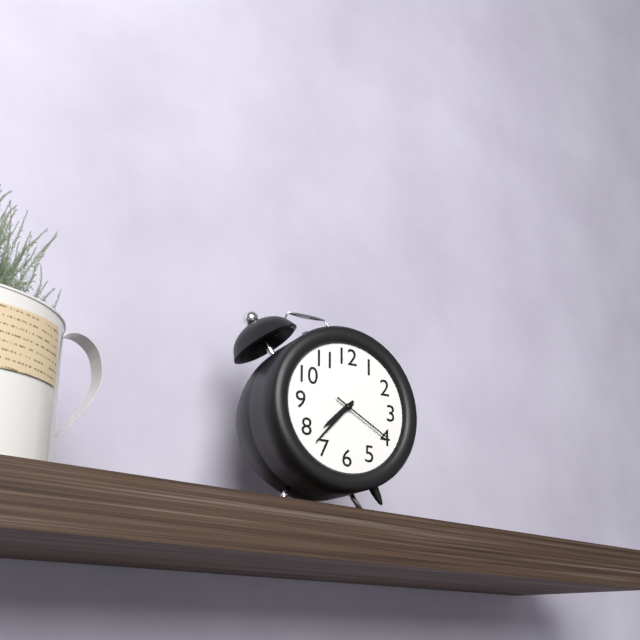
7:37:20
